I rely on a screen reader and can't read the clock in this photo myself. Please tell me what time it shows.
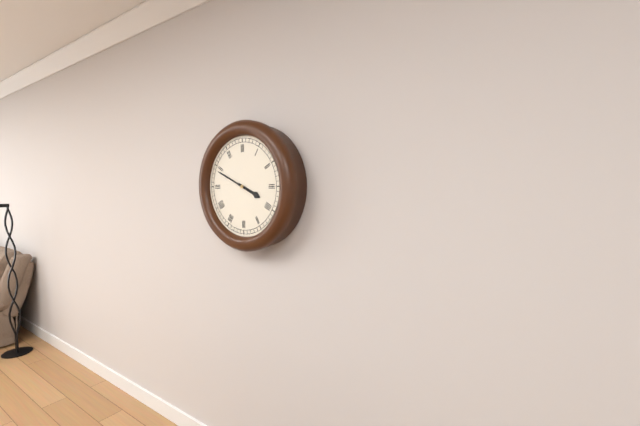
3:49
